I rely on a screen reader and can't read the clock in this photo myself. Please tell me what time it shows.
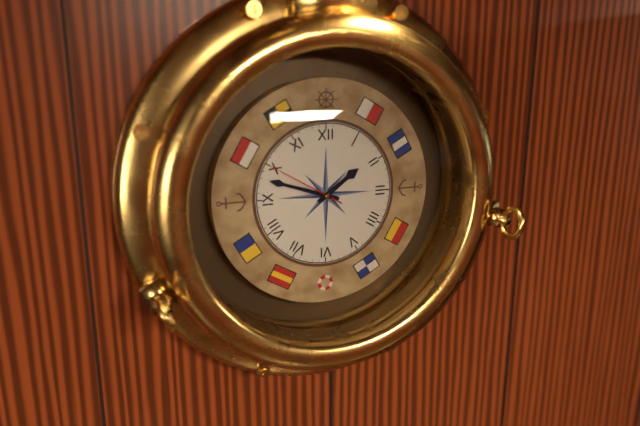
1:48:50
